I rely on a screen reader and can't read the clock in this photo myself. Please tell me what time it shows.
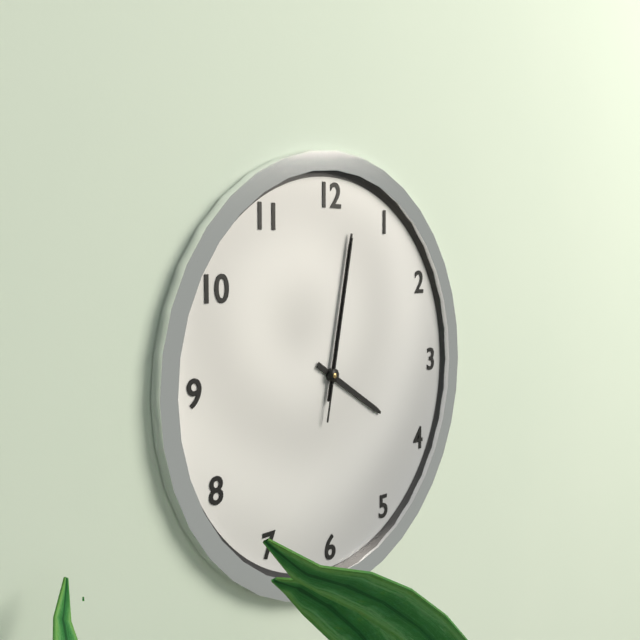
4:02:02
